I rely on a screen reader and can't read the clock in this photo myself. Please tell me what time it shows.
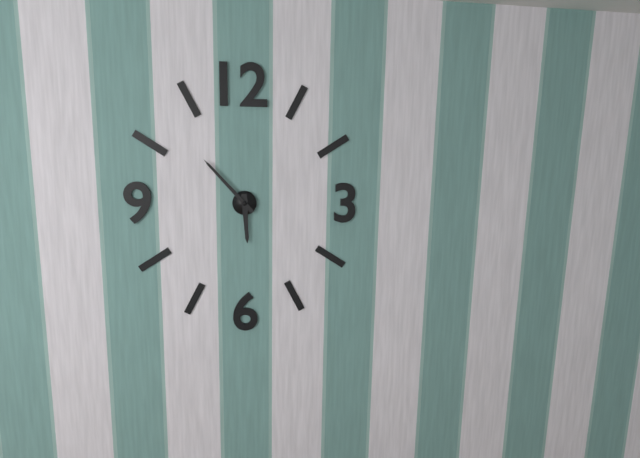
5:53
